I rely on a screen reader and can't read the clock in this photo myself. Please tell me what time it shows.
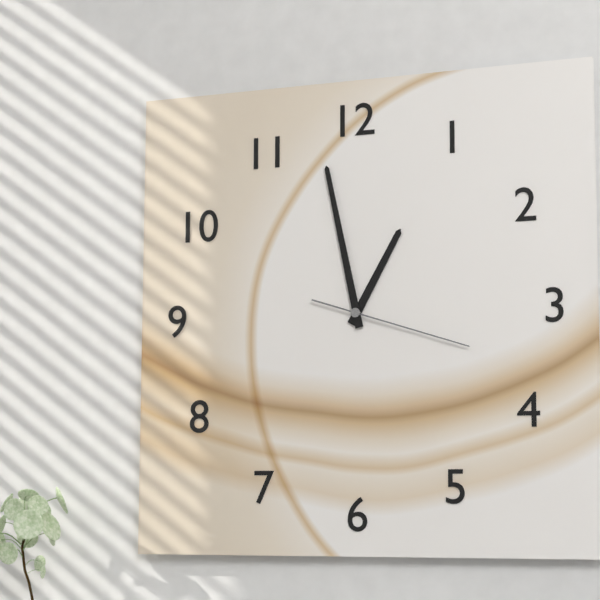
12:58:18
